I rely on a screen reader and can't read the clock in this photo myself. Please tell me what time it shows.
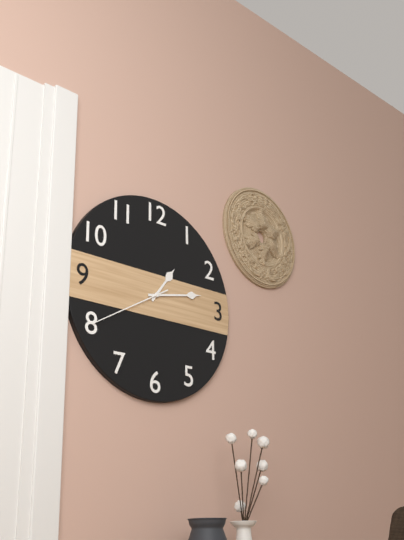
1:13:40
